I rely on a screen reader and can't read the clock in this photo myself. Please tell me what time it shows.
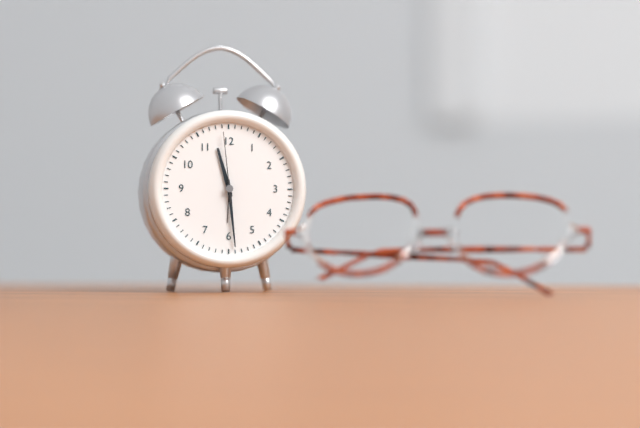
11:29:59
